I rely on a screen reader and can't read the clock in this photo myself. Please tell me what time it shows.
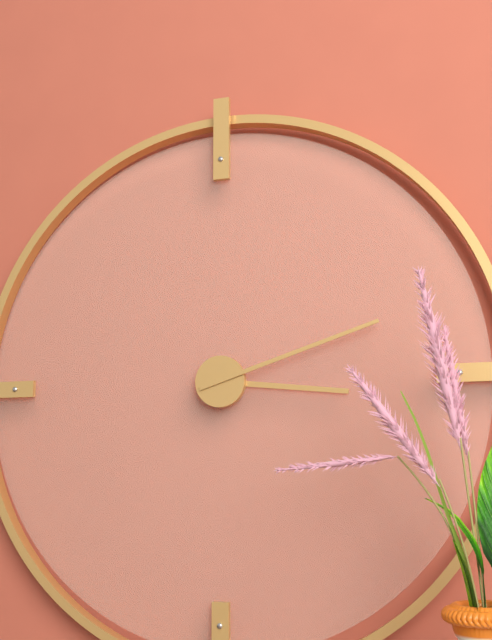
3:12
